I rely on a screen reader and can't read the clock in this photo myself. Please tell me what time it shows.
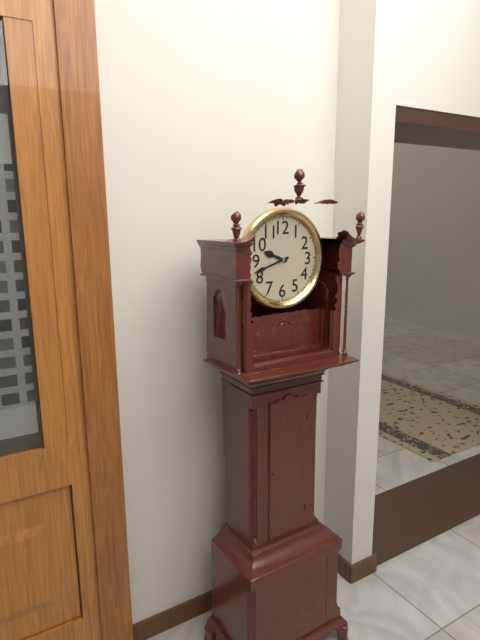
9:42
